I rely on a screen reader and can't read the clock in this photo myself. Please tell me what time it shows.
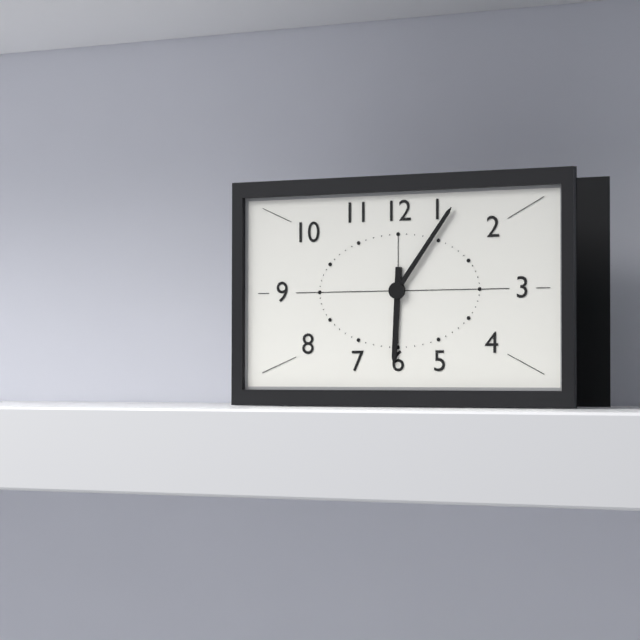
6:06
